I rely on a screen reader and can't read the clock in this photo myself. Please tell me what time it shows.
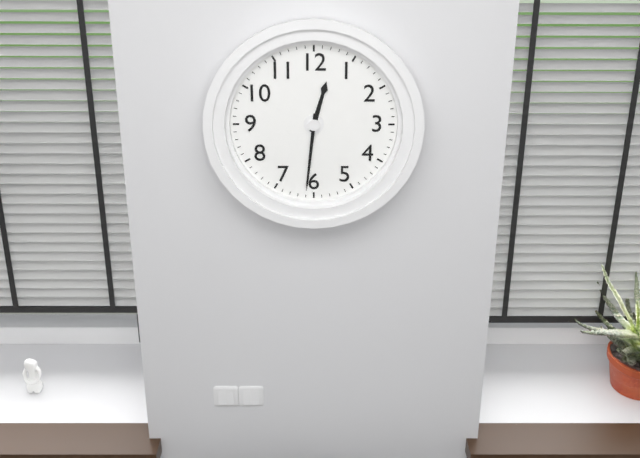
12:31
